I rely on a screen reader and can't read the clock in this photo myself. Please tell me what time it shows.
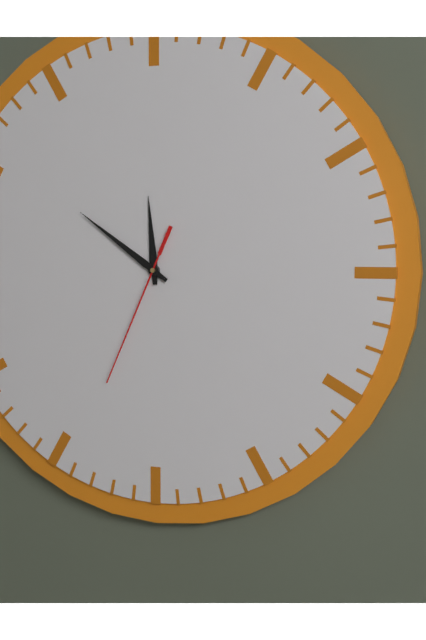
11:51:34
